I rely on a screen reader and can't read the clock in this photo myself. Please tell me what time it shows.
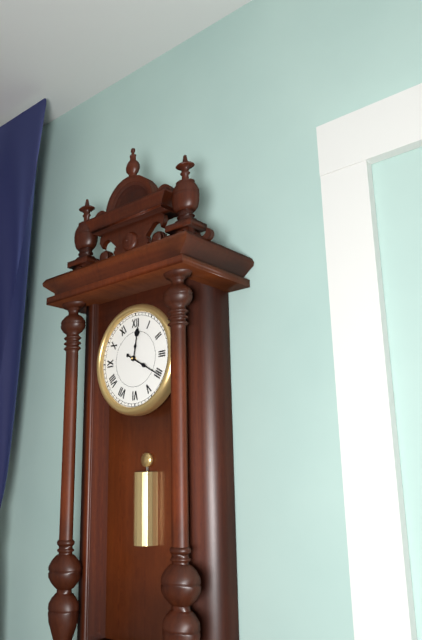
12:20
